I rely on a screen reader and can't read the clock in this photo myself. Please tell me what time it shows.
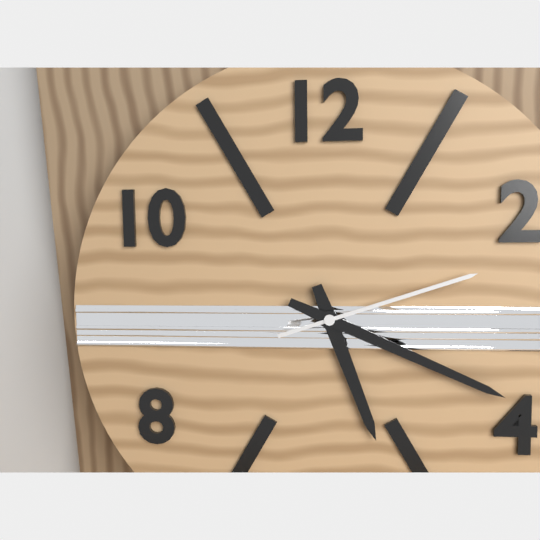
5:19:12
